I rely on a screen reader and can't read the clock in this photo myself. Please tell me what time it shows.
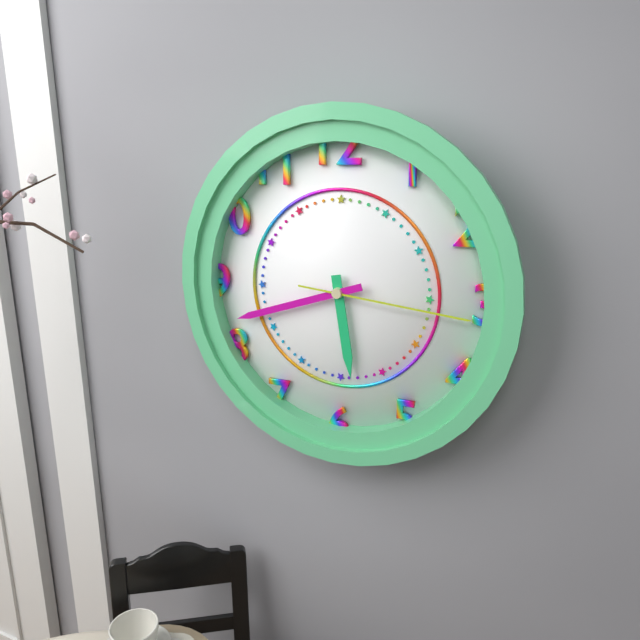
5:42:16
